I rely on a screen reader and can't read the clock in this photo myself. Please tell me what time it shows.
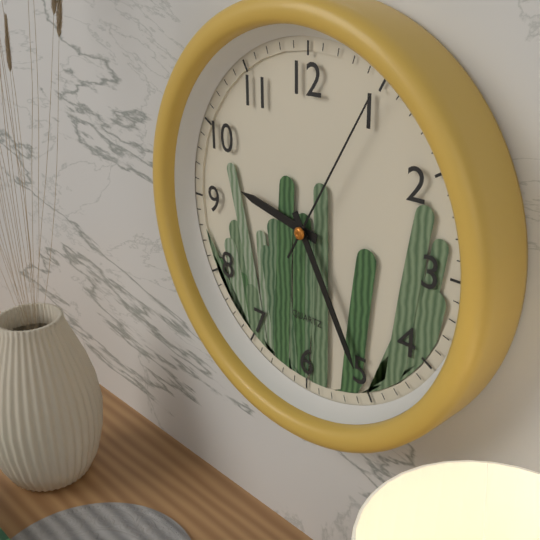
9:25:05
